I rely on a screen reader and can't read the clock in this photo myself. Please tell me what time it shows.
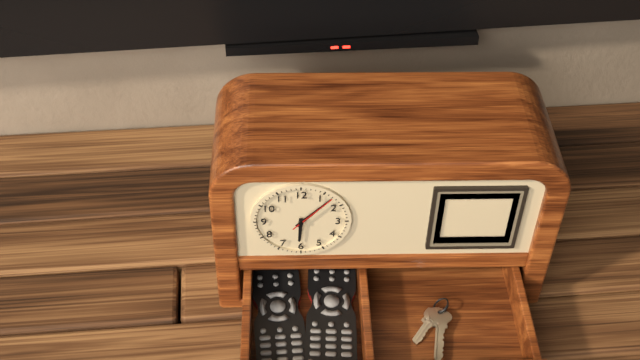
6:07
